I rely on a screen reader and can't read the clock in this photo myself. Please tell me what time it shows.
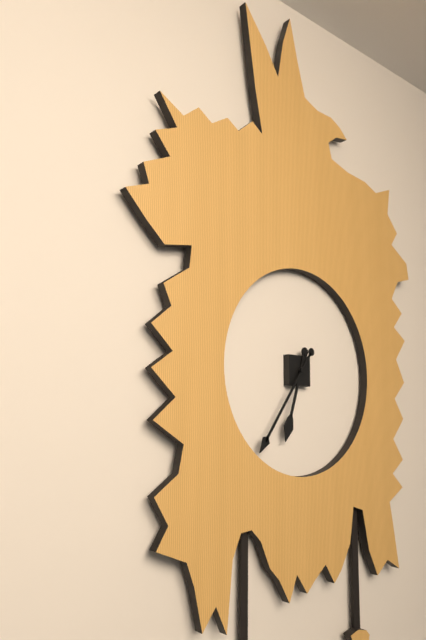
6:36
